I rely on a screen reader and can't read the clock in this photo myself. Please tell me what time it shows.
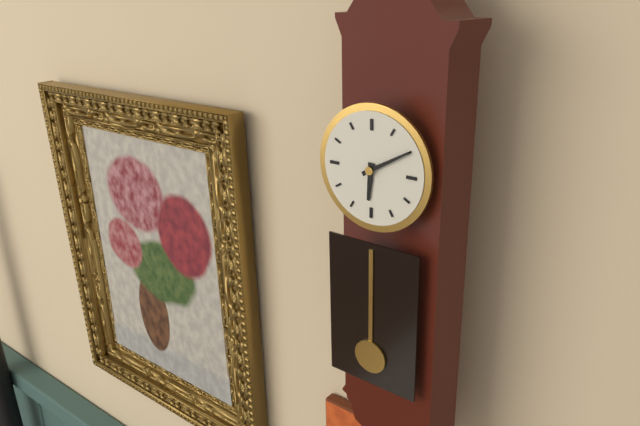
6:10
